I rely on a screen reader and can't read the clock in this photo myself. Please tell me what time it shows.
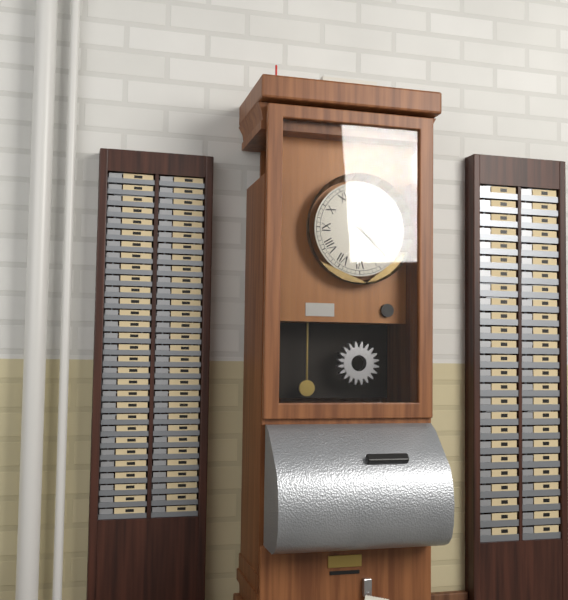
4:22
